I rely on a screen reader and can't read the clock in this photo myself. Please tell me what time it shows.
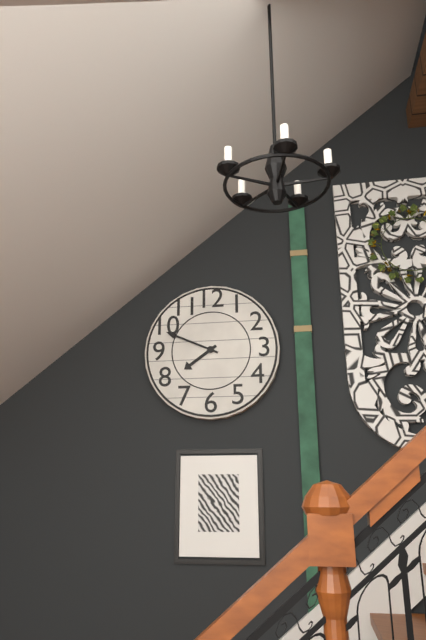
7:49
